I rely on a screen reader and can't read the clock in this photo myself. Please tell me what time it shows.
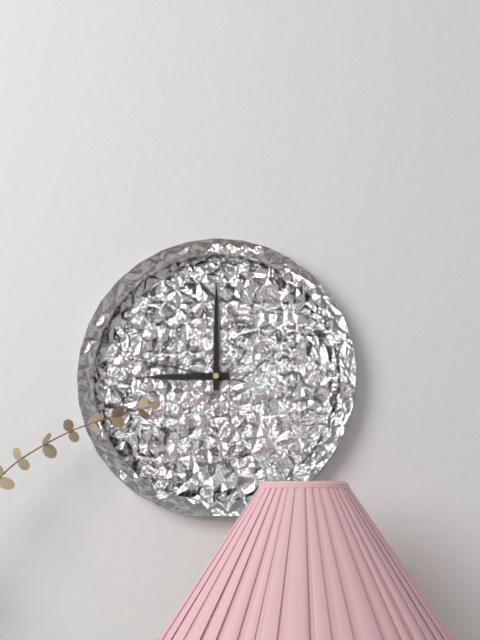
9:00:47
